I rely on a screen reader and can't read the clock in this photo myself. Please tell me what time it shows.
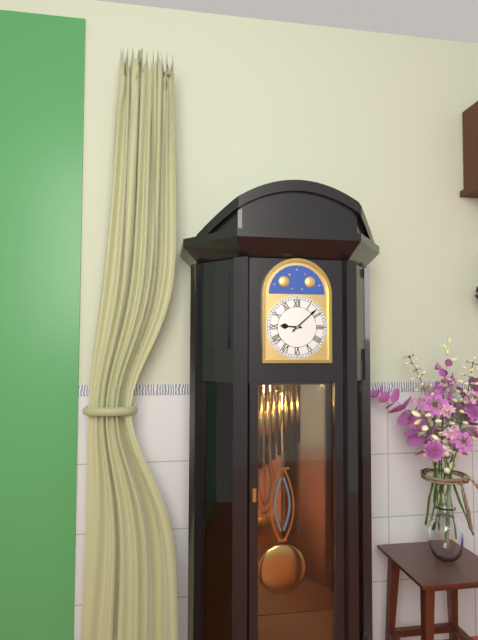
9:08
